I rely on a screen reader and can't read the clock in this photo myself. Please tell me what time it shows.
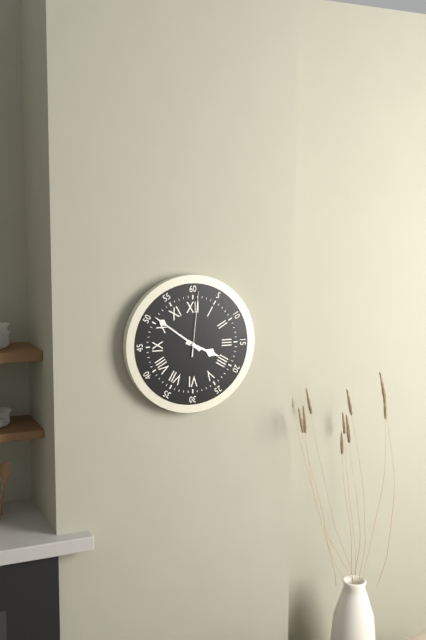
3:51:01
